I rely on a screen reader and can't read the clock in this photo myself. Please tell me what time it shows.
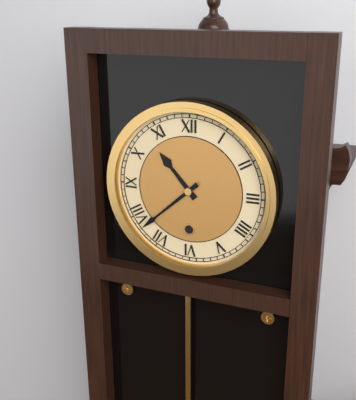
10:38
